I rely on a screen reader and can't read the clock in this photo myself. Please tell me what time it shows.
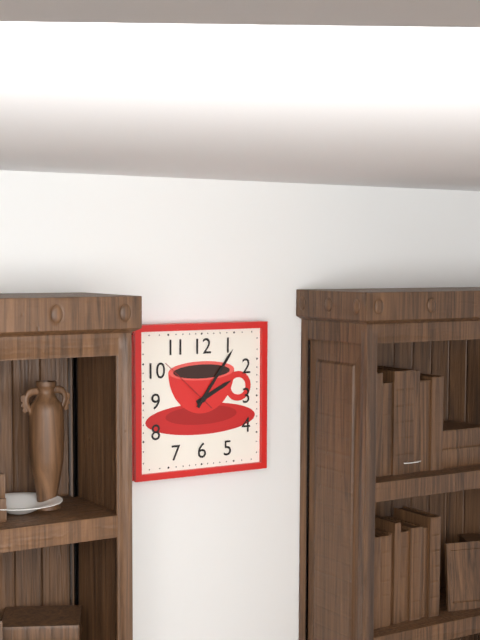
2:06:52
